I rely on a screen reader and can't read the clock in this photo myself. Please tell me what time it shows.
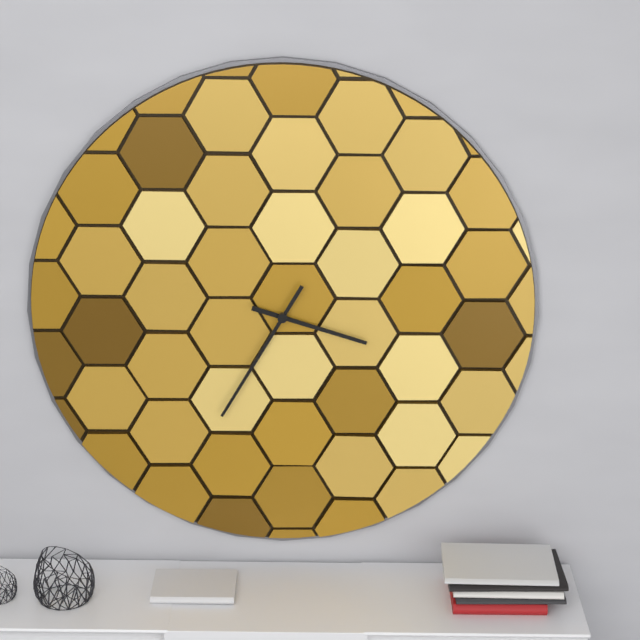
3:35
